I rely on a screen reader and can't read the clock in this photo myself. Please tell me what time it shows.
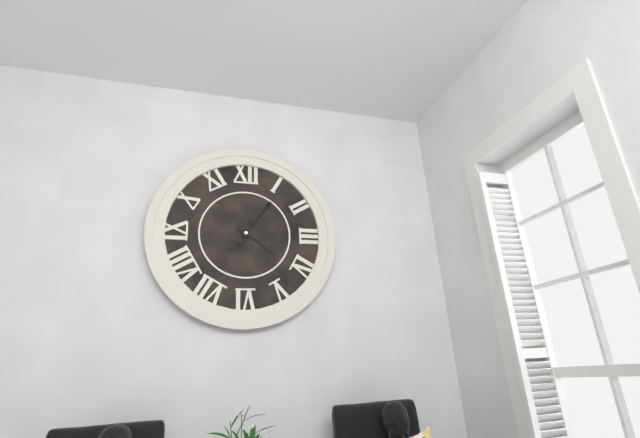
4:06
